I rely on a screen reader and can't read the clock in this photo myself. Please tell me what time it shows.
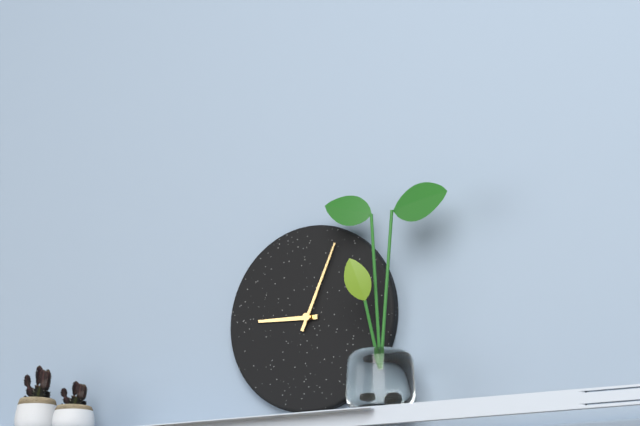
9:04
